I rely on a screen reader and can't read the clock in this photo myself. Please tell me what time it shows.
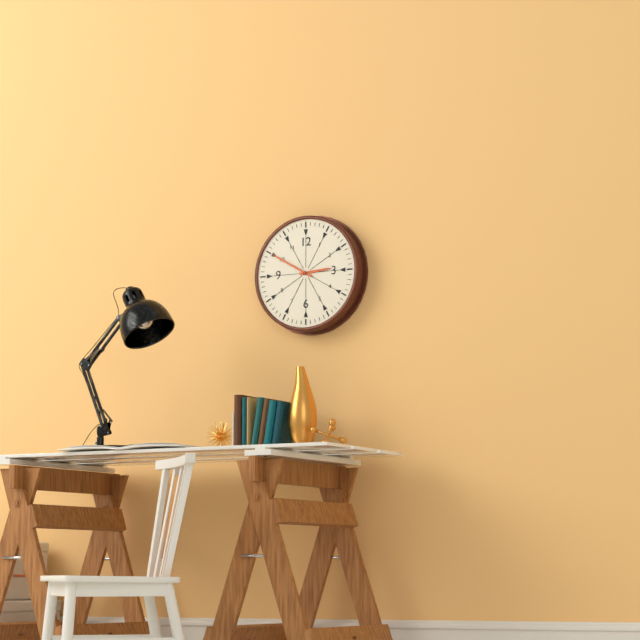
2:50
